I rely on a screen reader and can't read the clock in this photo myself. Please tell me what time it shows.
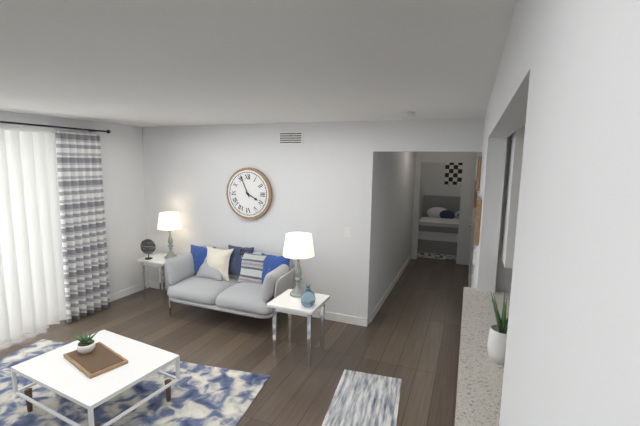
3:56
